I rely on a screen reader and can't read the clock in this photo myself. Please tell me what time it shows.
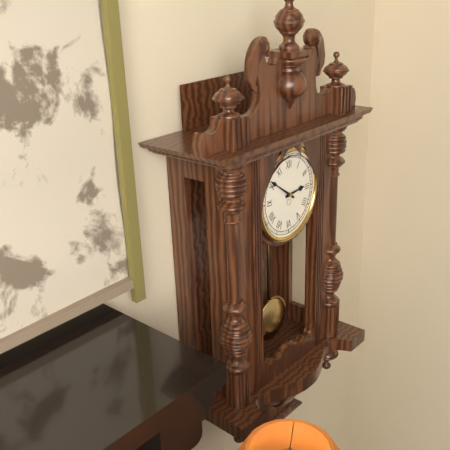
2:51
